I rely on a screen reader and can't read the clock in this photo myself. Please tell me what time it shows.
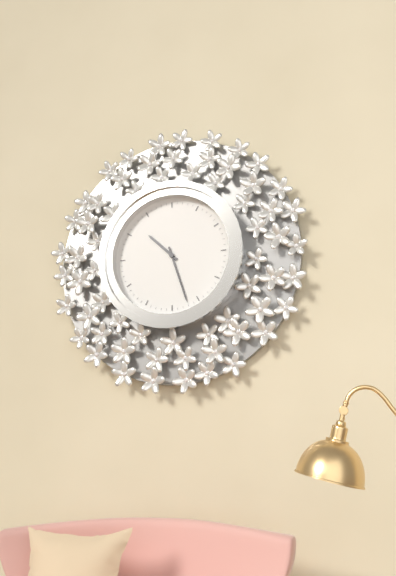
10:27
